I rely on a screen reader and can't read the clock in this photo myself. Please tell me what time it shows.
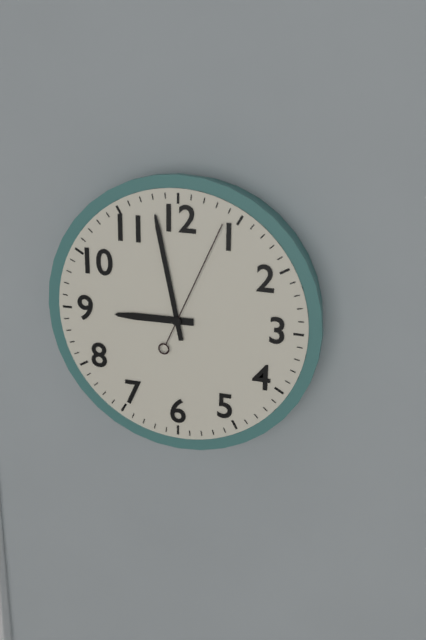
8:58:04
